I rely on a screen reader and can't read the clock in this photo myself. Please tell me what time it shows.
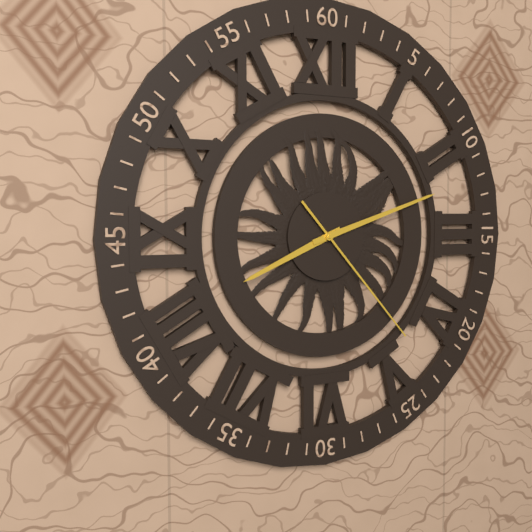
8:12:23
